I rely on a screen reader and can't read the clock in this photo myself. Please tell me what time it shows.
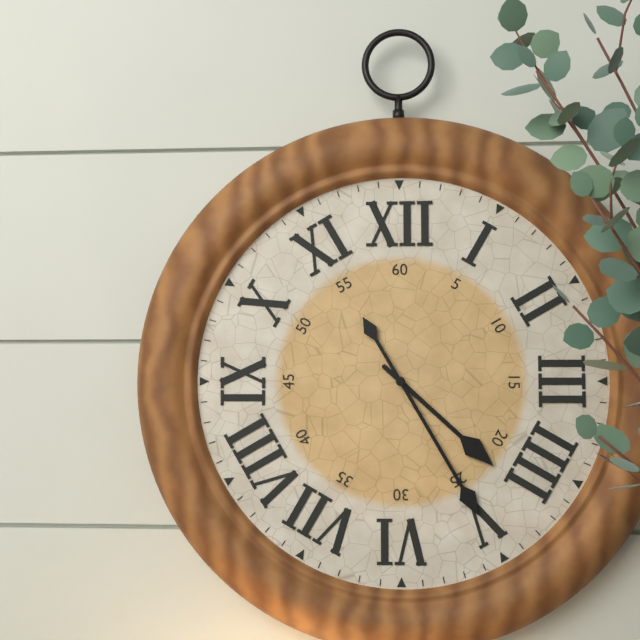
4:25
